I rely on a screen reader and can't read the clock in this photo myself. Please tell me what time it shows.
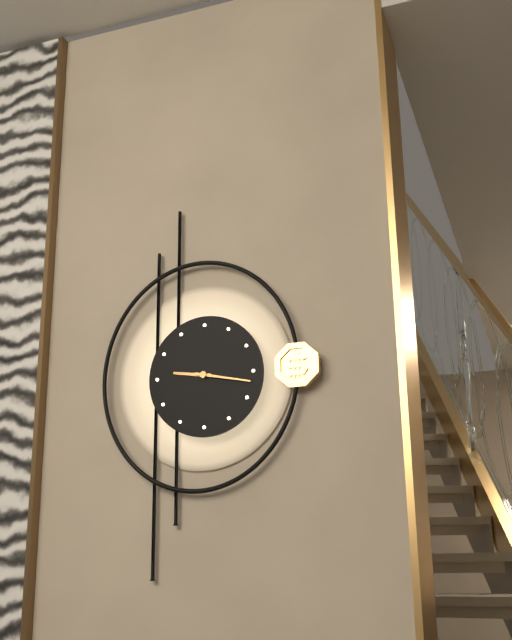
9:17
